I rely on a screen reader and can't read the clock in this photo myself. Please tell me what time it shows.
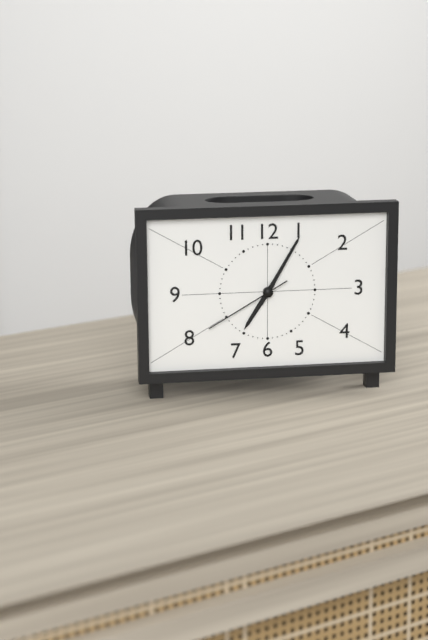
7:05:40
